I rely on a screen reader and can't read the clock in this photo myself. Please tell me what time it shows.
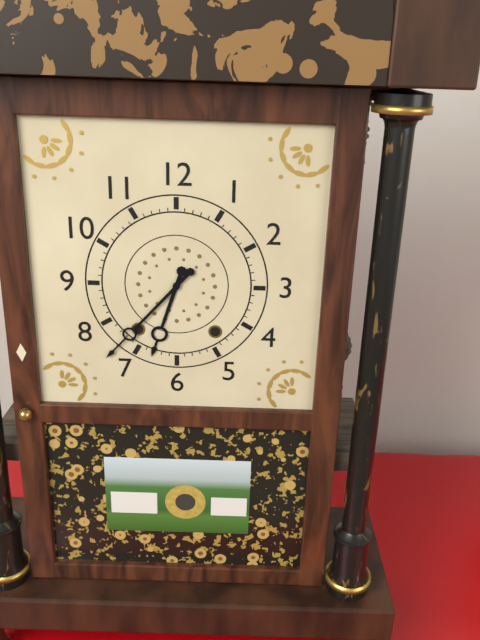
6:37
